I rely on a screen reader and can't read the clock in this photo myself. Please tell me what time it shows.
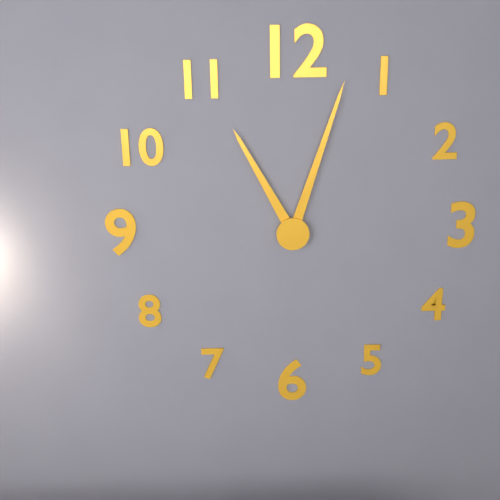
11:03
